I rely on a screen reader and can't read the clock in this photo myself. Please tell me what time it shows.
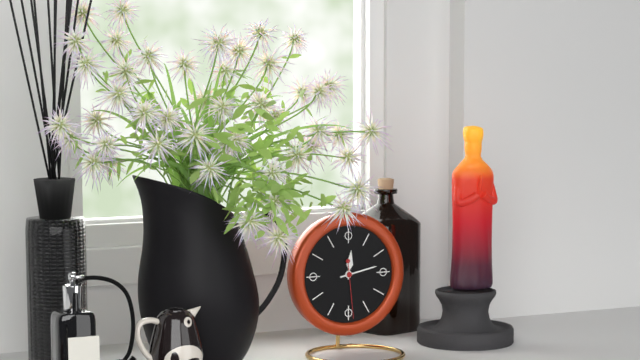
12:13:29
